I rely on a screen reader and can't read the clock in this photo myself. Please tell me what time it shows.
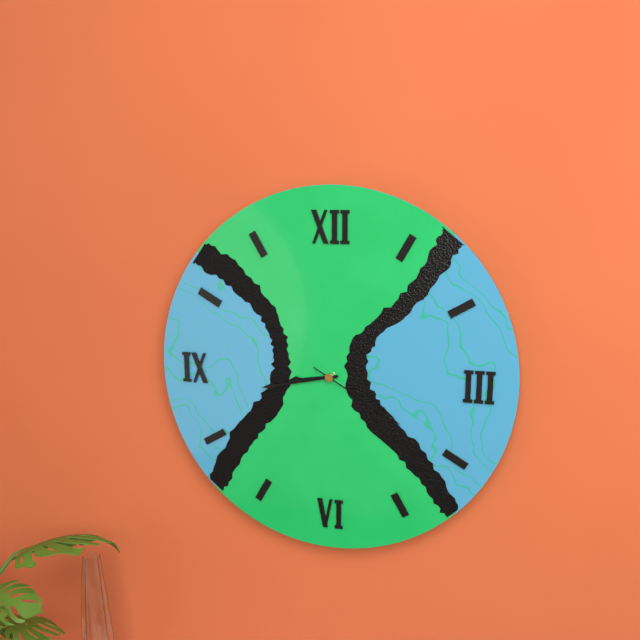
8:43:20
